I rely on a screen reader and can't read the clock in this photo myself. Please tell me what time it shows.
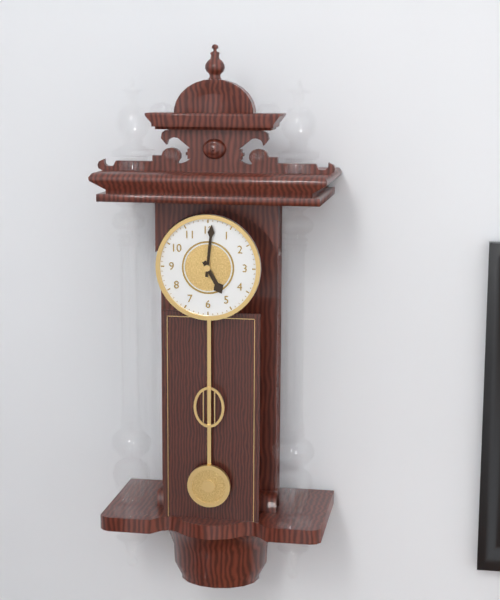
5:01
